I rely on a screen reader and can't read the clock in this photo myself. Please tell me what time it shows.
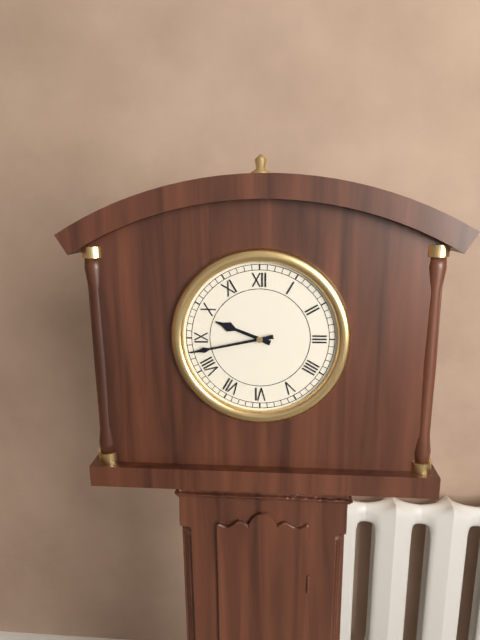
9:43
